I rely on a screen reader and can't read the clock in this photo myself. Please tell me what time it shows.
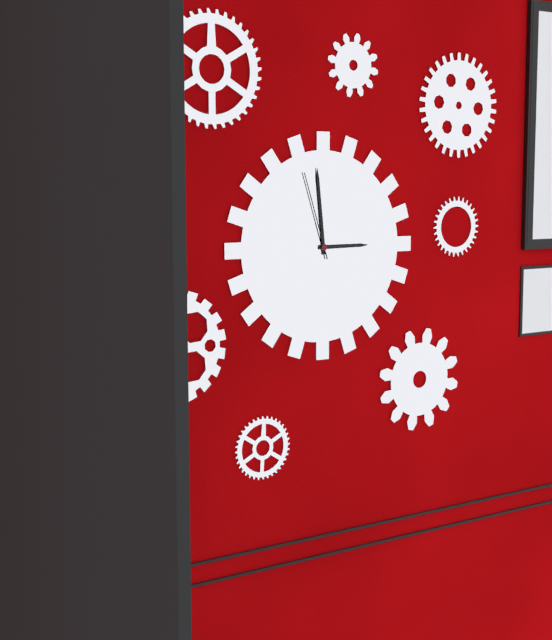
2:59:57
